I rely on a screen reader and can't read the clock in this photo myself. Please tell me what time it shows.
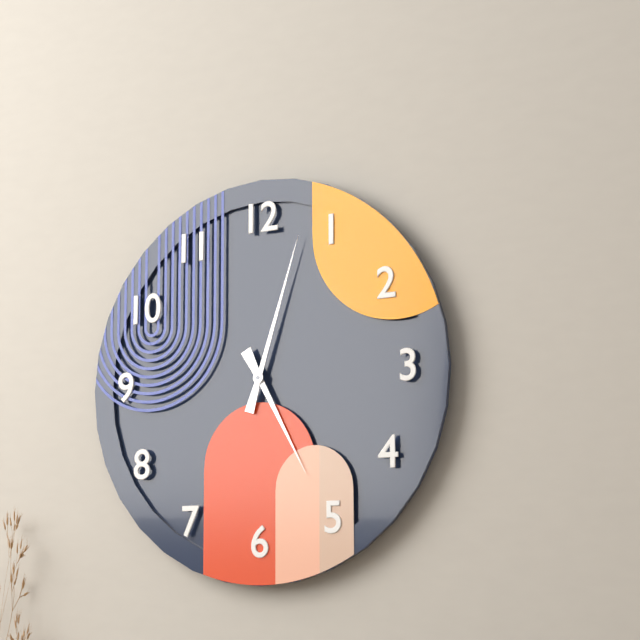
5:03
